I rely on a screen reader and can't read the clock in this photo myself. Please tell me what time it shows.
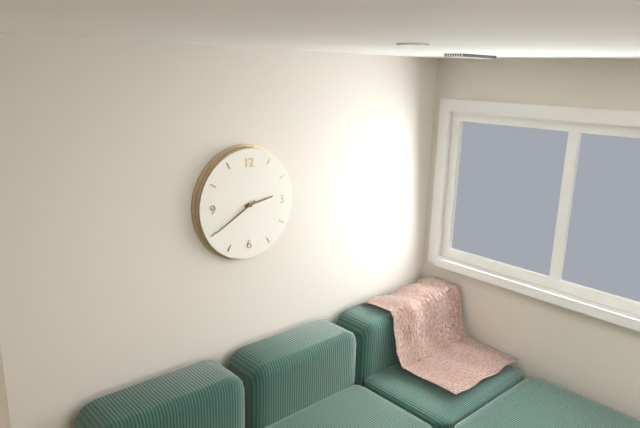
2:40
